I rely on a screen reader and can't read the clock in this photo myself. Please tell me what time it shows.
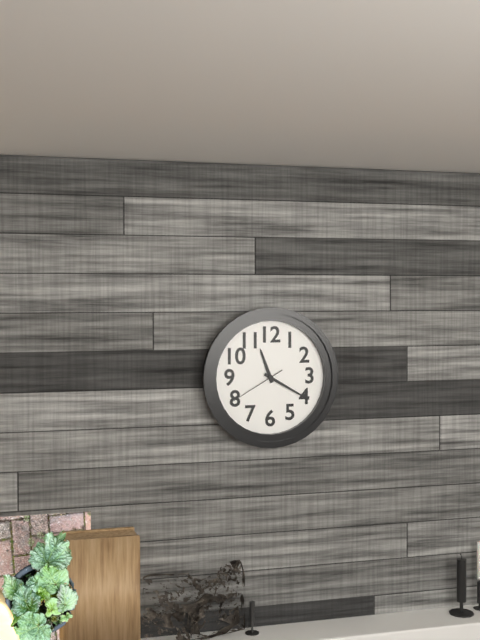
11:20:40
